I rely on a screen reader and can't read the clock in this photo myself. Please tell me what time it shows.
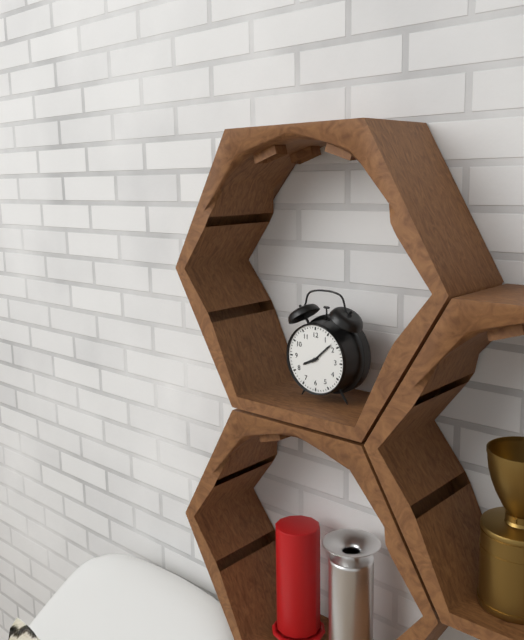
8:08
